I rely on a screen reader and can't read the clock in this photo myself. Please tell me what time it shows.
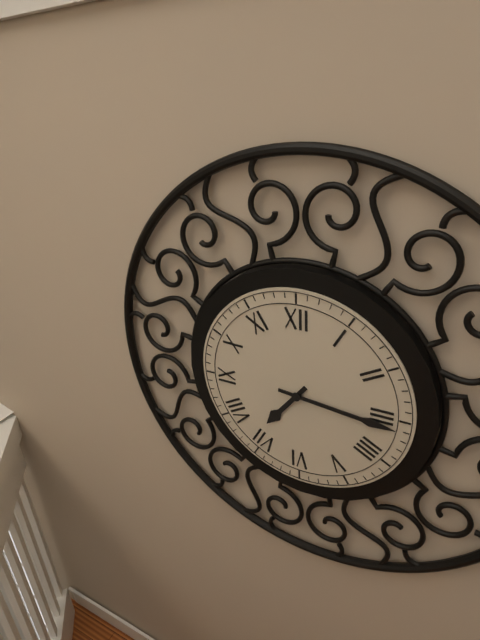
7:16
